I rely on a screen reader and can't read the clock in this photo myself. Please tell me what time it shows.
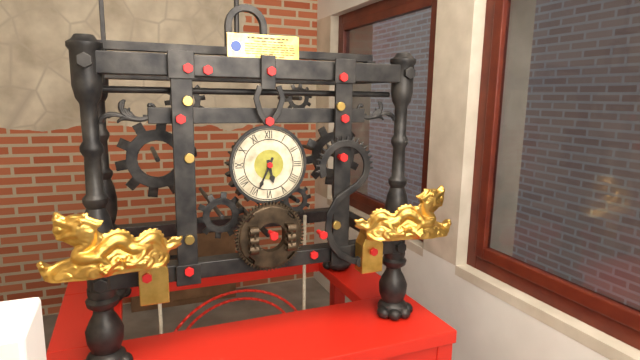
5:34
